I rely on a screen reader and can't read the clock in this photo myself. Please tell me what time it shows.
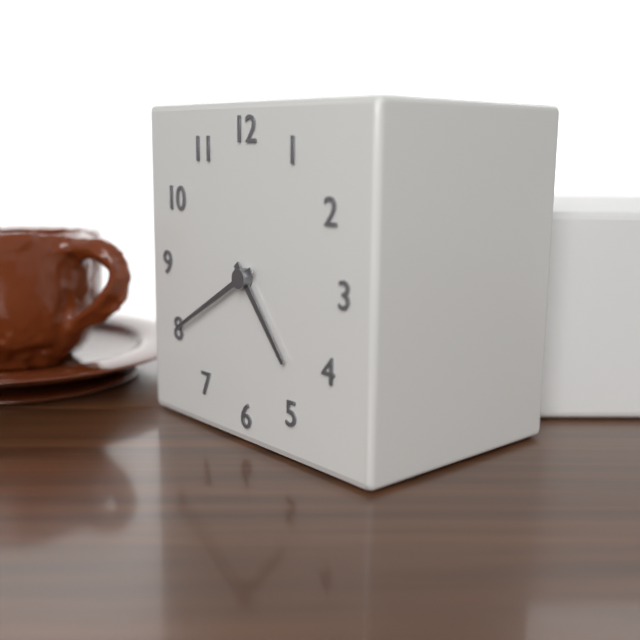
4:40
